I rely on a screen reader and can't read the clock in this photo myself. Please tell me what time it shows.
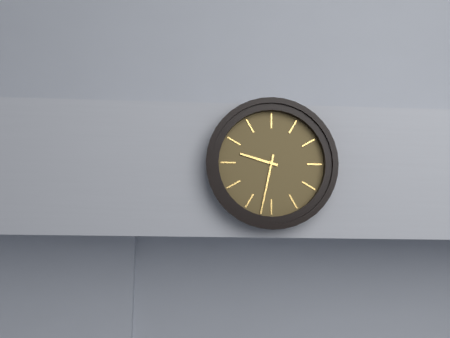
9:32
